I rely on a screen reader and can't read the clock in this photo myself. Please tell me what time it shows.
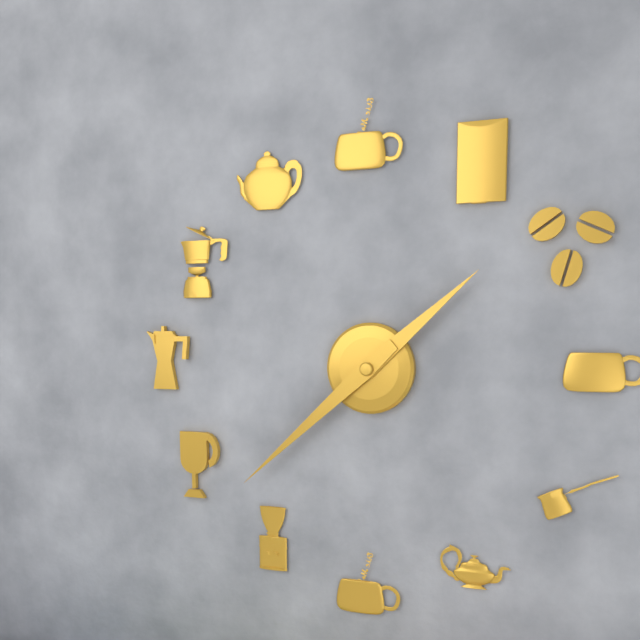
1:38
